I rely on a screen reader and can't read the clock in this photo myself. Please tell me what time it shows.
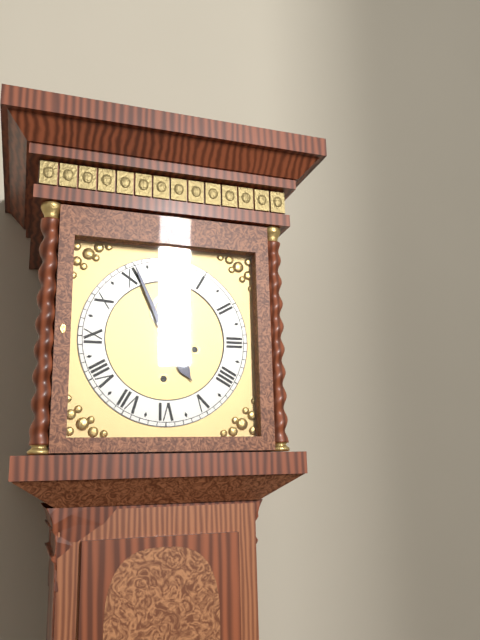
4:56
